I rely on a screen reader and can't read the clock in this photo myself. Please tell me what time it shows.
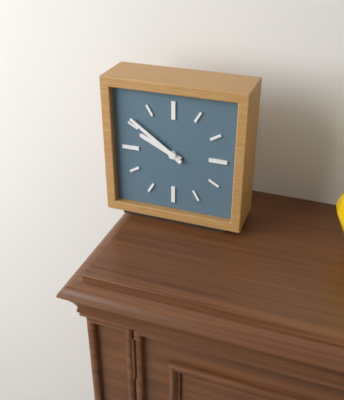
9:51
